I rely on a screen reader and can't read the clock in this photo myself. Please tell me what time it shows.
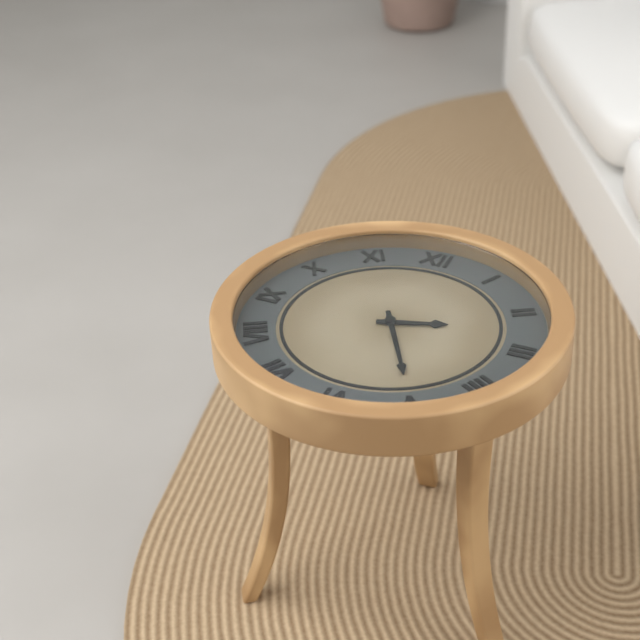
2:25
